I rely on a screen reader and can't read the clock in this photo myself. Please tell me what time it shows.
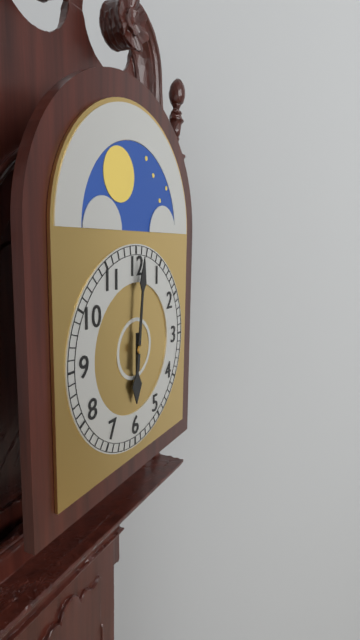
6:01
